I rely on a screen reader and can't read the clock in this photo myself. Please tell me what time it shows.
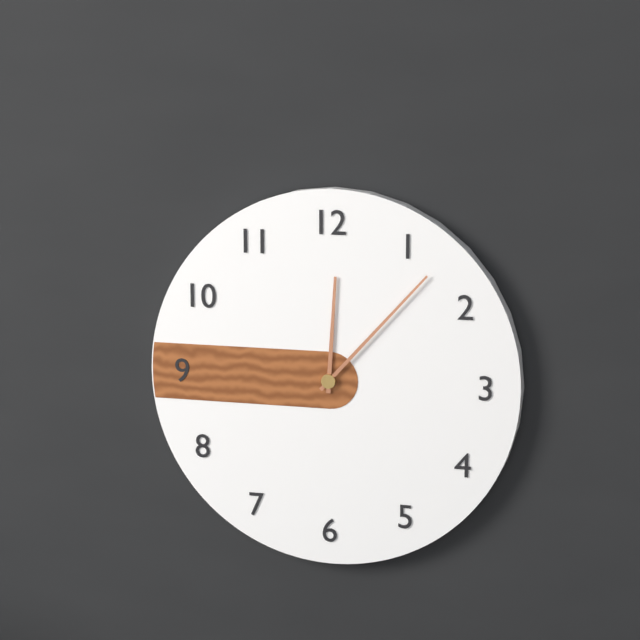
12:07
